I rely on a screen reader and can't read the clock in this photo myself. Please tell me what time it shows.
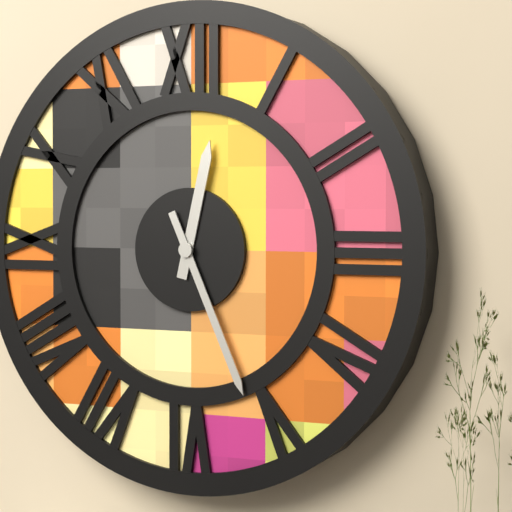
12:26
